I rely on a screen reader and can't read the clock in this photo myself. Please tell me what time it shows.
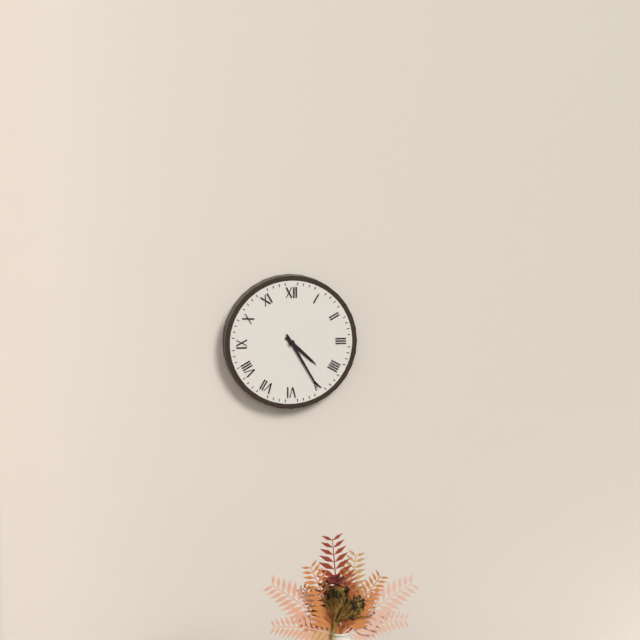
4:25
